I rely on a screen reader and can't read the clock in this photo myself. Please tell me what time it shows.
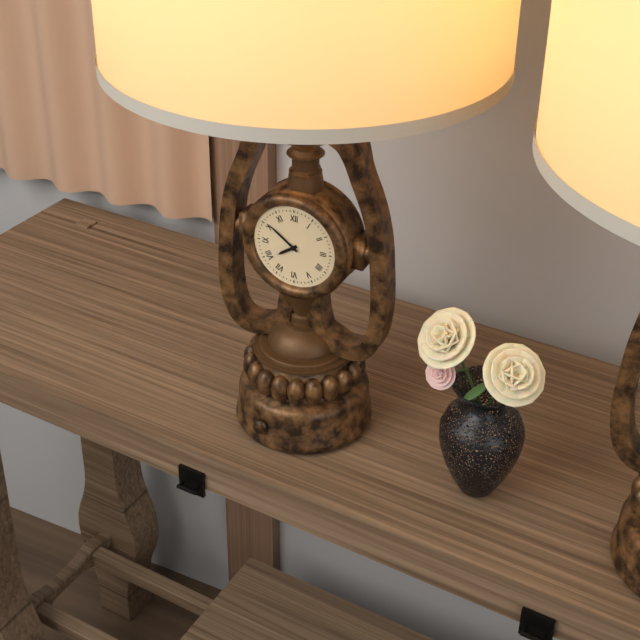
7:51
